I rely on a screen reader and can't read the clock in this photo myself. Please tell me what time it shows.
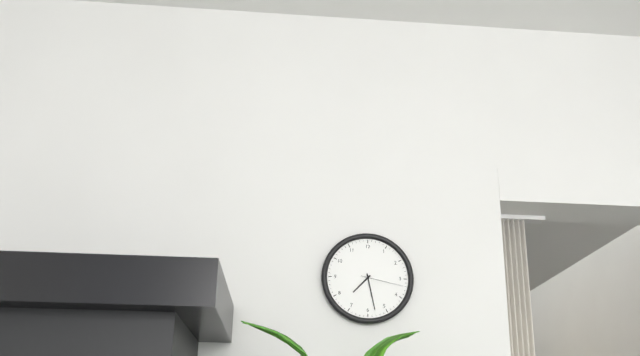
7:28
